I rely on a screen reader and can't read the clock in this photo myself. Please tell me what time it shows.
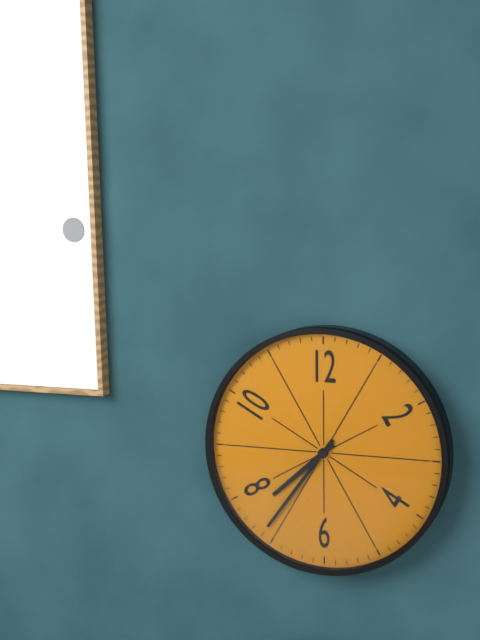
7:36
